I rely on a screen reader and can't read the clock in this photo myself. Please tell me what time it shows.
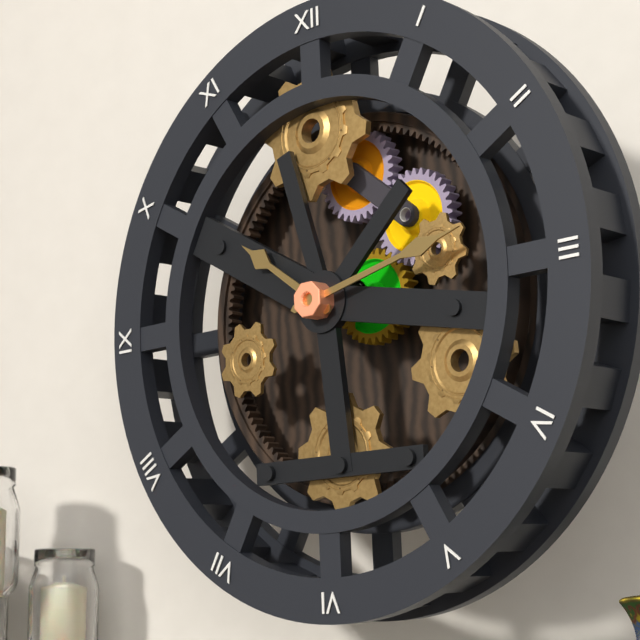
10:13
